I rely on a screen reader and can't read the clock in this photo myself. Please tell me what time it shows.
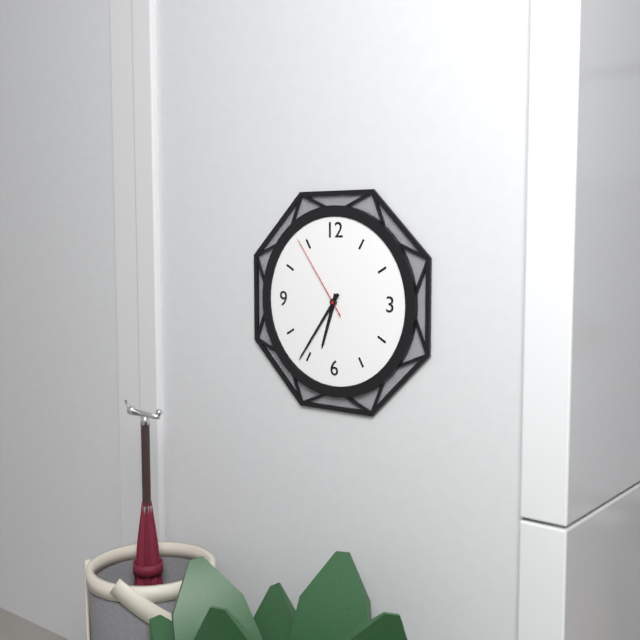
6:36:54
